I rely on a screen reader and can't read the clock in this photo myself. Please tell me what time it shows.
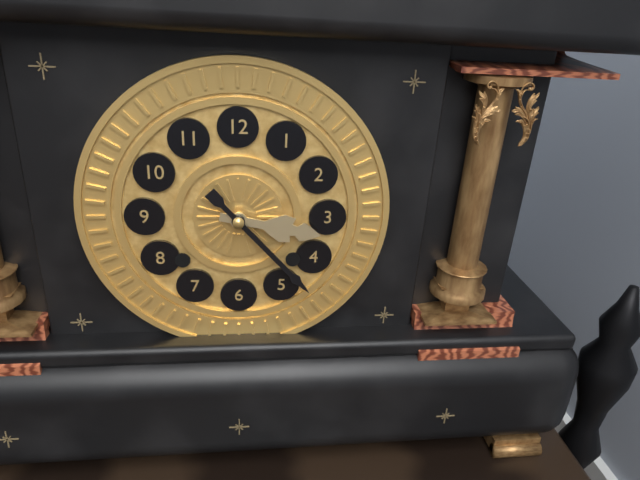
3:23
